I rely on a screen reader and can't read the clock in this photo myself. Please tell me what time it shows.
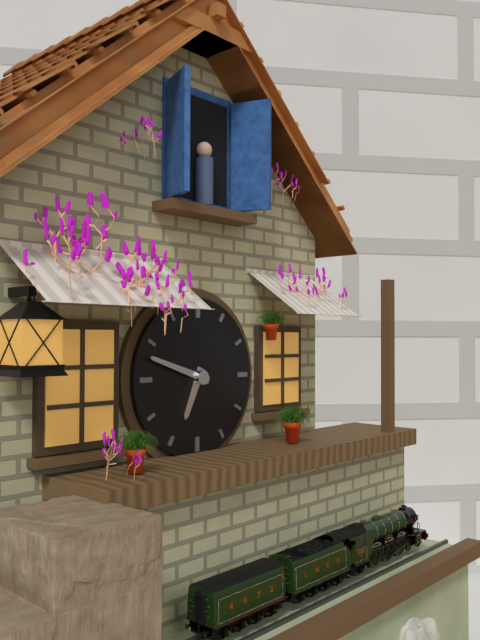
6:48
